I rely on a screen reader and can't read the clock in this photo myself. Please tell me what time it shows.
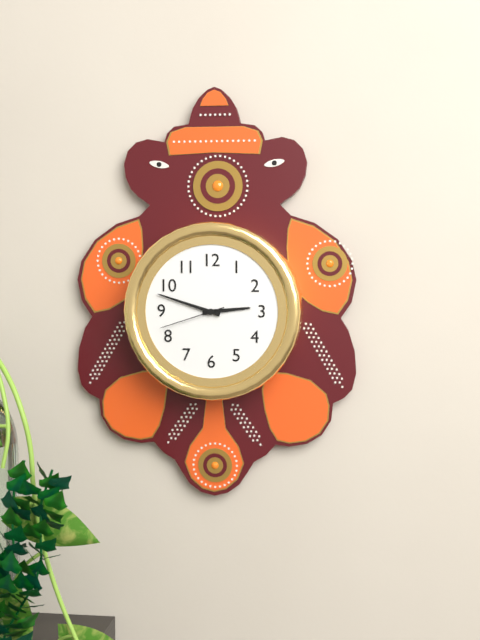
2:48:42
